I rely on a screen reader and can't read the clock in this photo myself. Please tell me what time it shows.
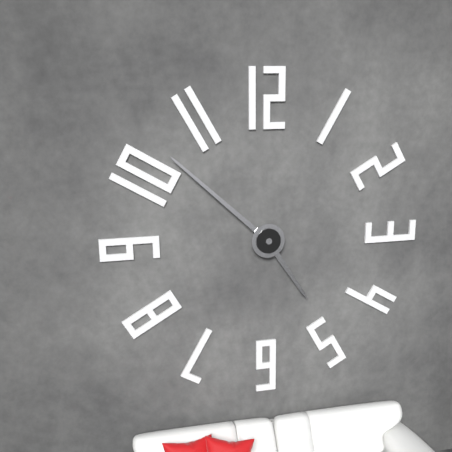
4:52
